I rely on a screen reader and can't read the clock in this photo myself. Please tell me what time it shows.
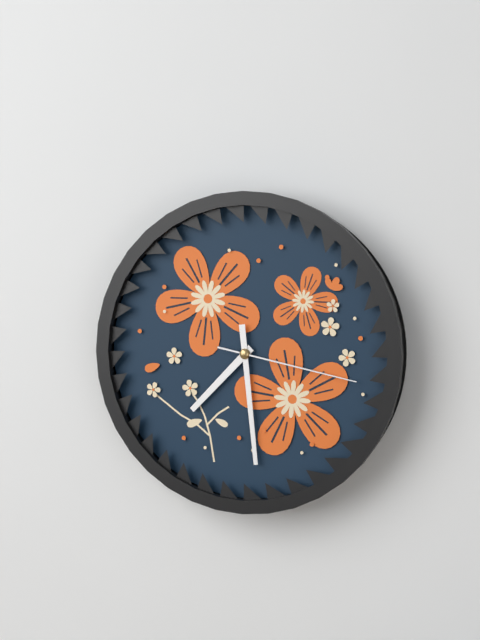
7:29:17
